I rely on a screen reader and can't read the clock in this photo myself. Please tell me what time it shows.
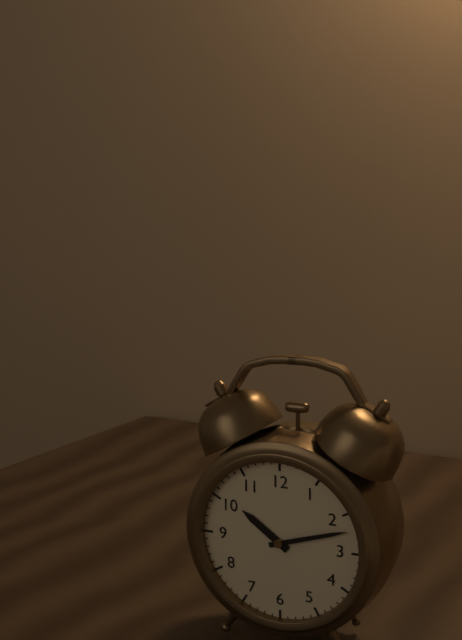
10:12
